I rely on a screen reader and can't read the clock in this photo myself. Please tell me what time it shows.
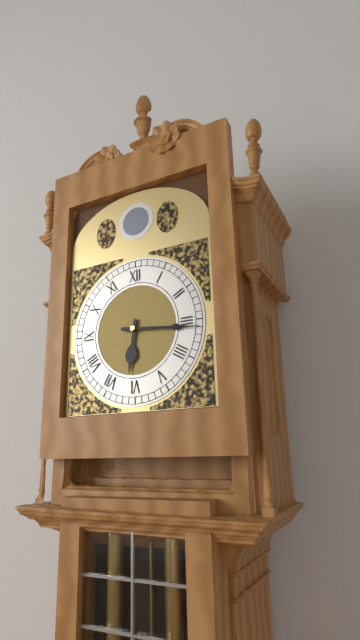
6:16
